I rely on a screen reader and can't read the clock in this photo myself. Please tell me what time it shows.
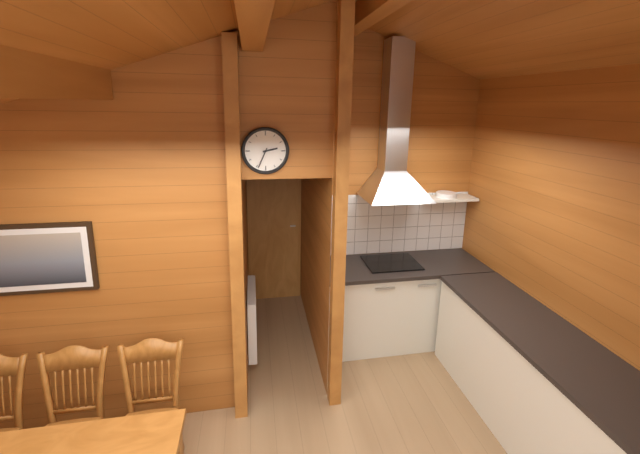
2:34
